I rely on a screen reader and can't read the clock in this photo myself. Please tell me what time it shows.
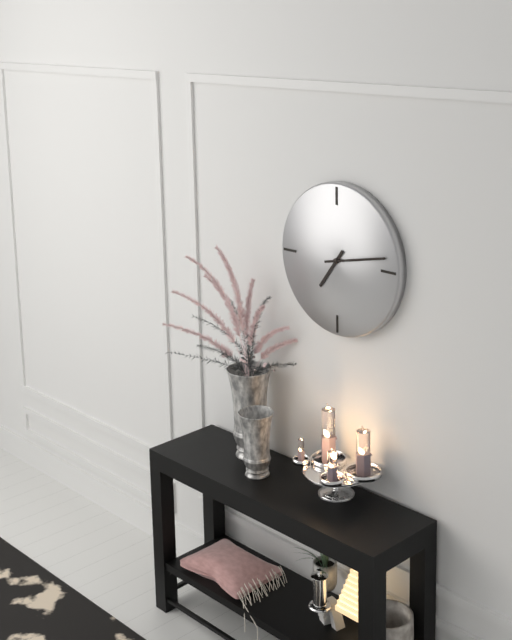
7:13
